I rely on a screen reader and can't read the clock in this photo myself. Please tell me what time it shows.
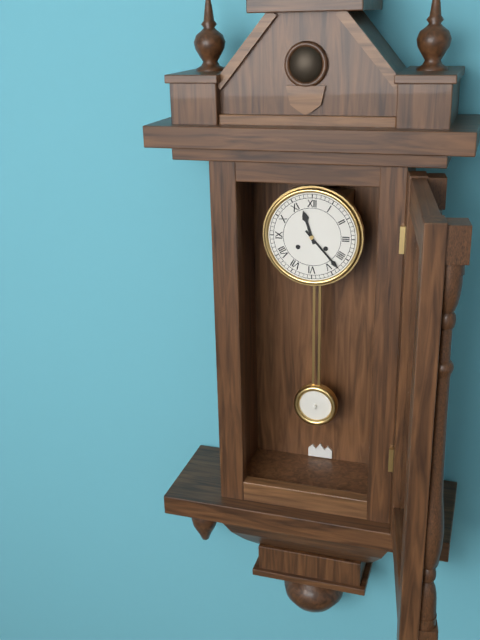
11:23
